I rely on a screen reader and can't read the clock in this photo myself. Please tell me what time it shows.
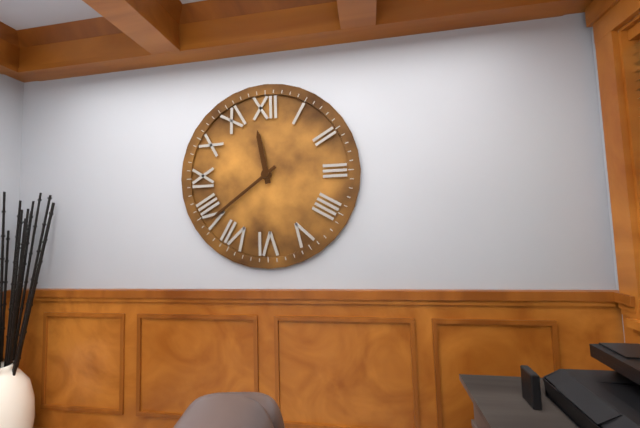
11:39
